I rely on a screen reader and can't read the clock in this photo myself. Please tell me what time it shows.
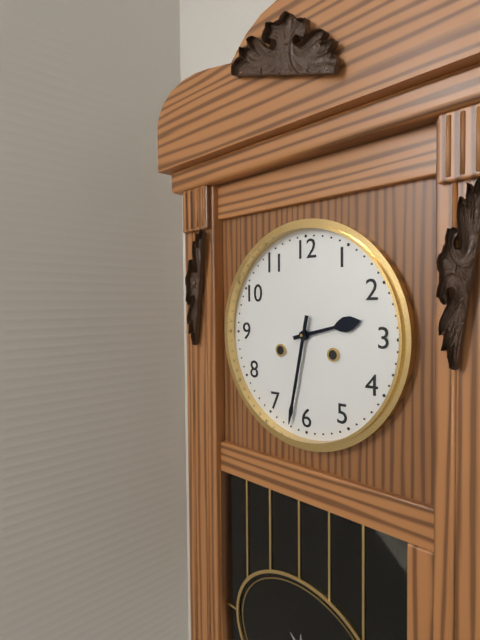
2:32
